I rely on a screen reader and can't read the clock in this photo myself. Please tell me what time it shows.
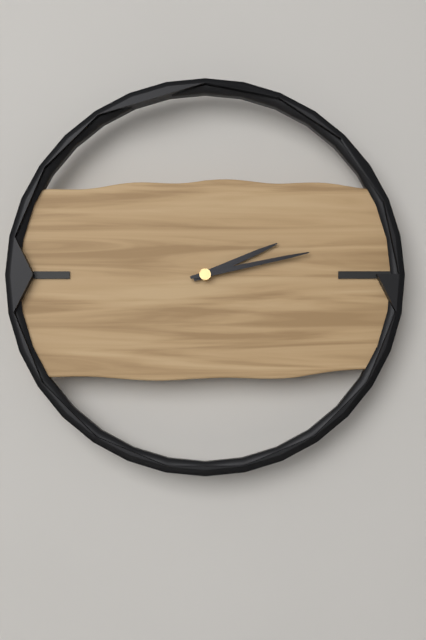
2:13
